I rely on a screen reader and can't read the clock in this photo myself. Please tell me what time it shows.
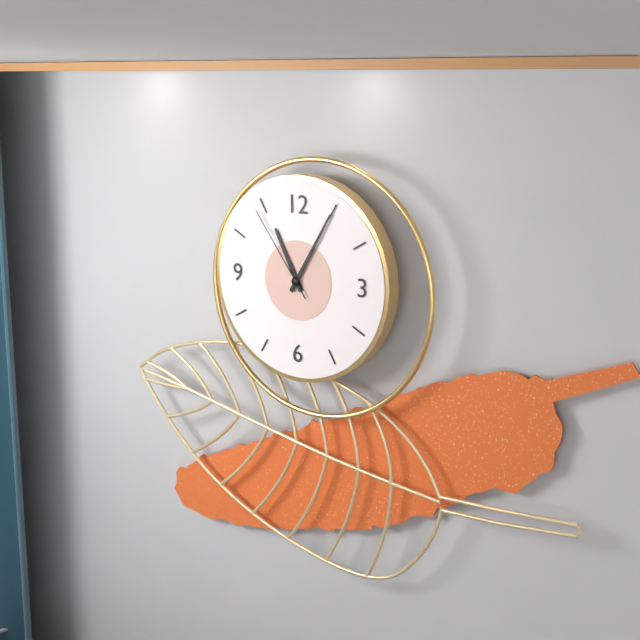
11:05:54
